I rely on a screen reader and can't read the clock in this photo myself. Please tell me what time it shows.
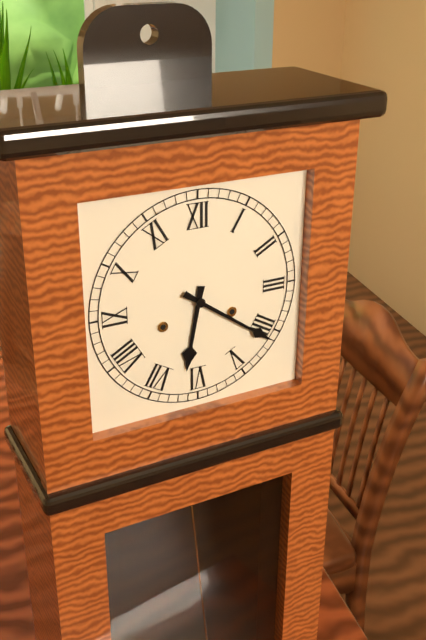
6:21
